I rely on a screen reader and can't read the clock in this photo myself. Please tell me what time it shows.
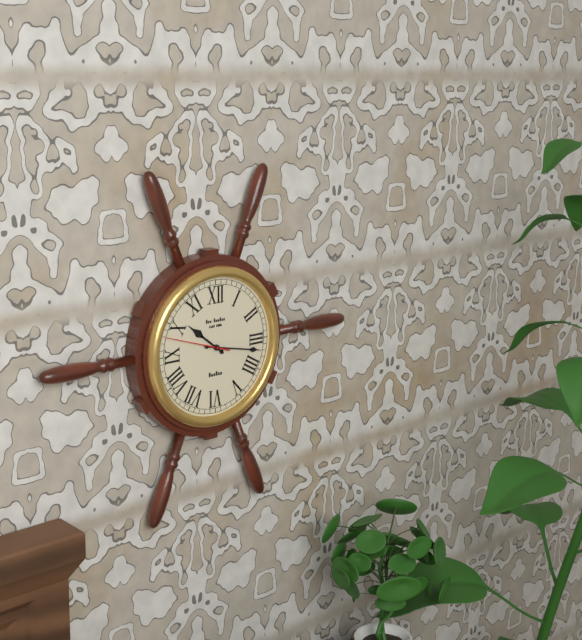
10:17:48
